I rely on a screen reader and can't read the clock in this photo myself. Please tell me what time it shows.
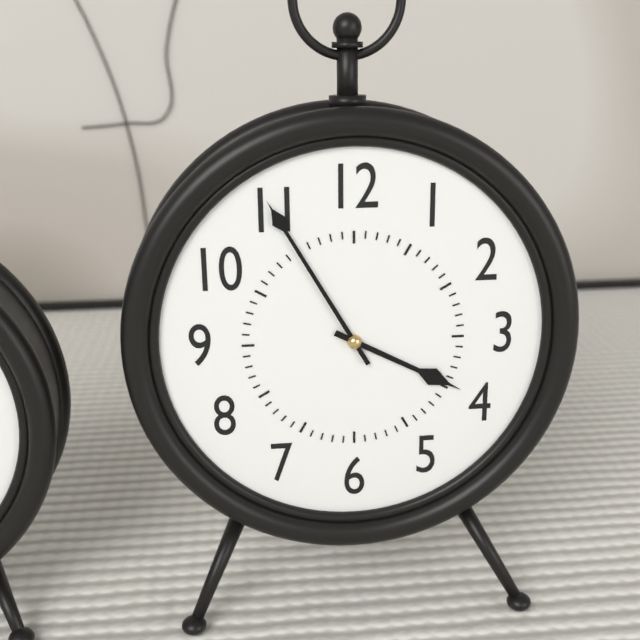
3:55
